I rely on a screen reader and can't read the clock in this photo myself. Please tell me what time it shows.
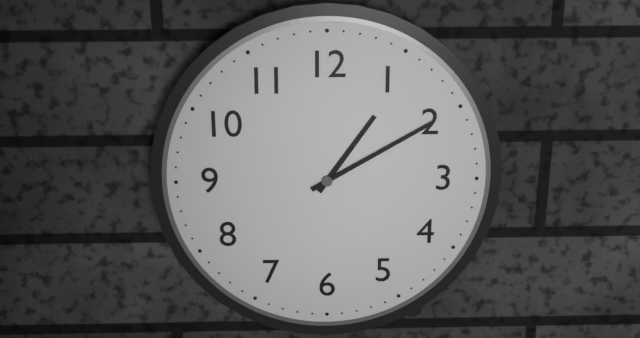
1:10
